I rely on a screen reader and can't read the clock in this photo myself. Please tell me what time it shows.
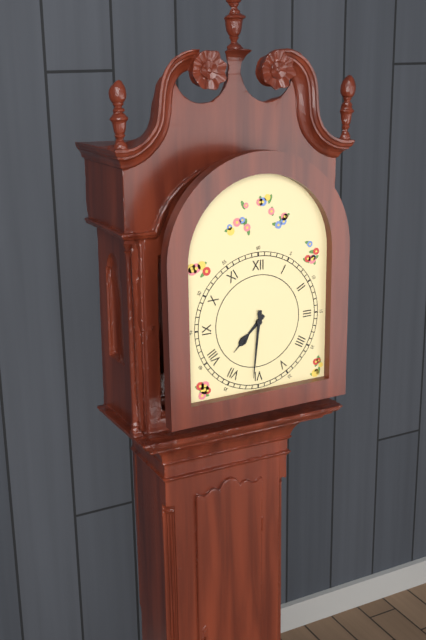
7:31
